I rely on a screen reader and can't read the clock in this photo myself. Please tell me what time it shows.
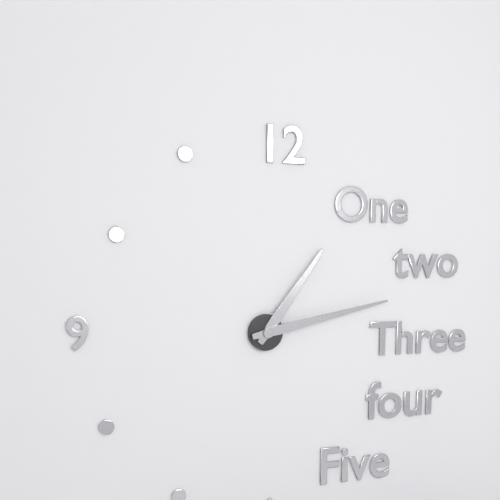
1:13
